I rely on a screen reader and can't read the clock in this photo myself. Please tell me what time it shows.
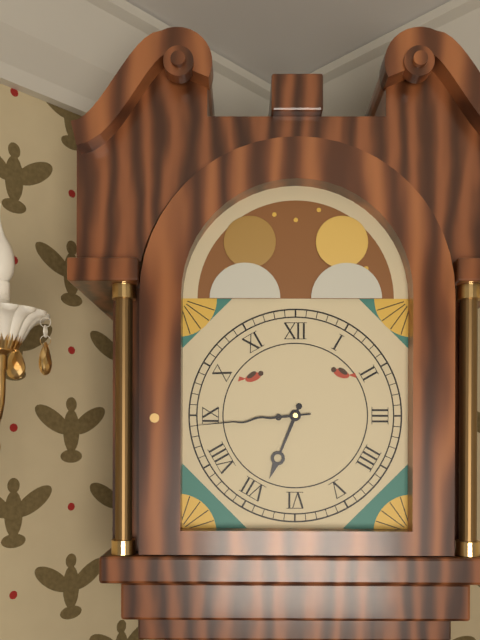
6:44
